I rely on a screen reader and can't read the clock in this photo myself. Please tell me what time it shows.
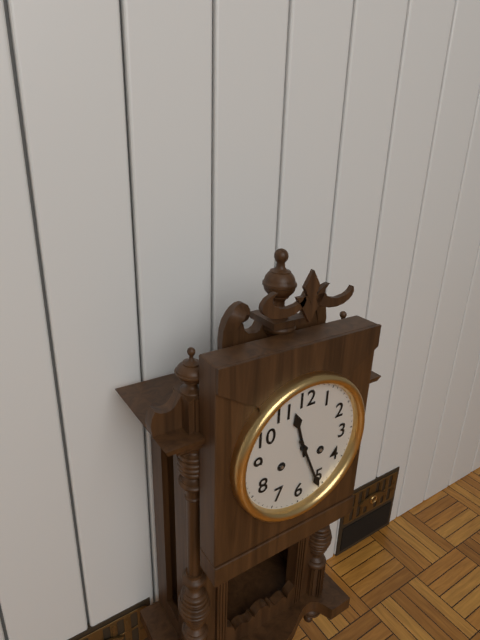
11:26
